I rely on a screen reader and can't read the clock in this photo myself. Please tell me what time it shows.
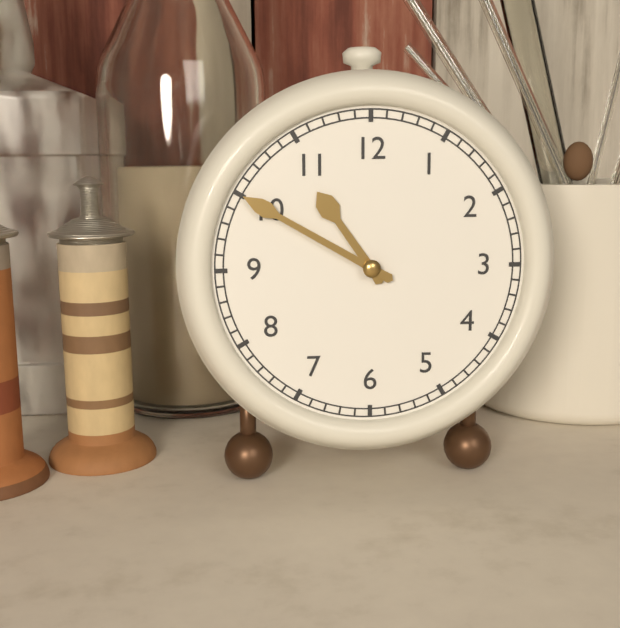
10:50
